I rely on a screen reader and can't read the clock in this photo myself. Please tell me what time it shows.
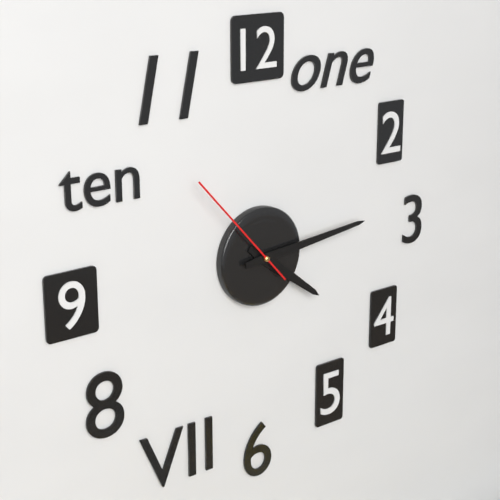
4:14:53
